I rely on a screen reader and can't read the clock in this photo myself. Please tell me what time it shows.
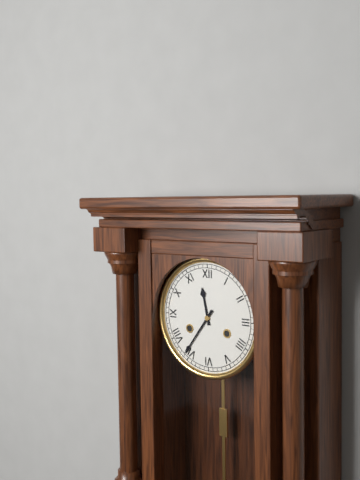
11:36
